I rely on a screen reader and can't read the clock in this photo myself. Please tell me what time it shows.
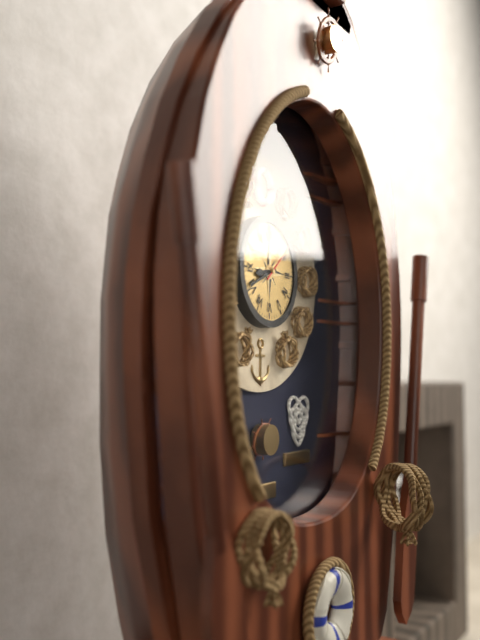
8:41
